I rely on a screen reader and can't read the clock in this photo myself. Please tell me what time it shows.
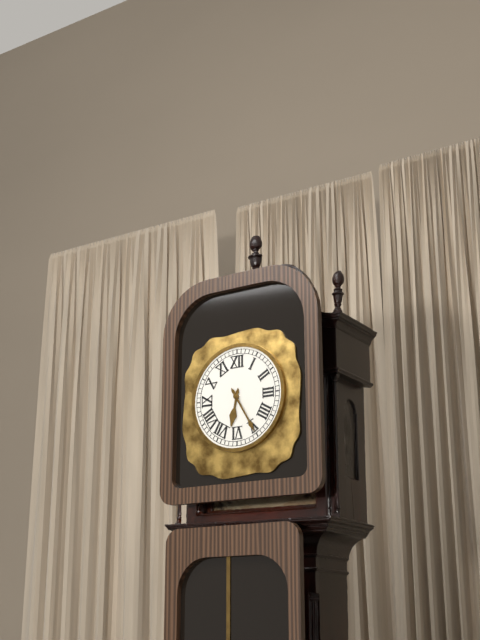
6:25
